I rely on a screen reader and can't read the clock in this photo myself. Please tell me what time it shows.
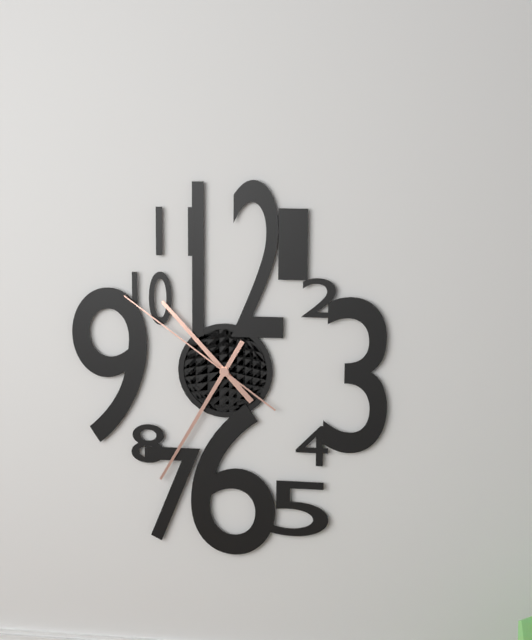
10:35:51
